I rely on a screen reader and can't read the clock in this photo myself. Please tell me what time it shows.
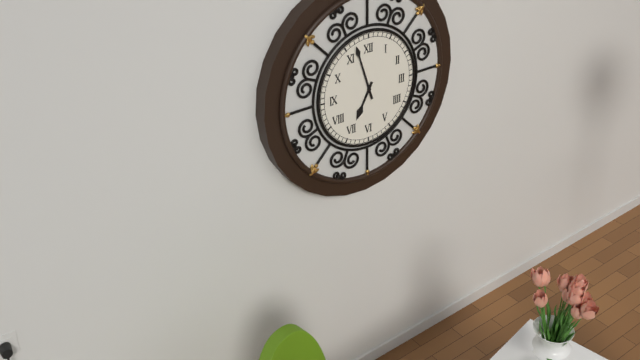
6:57
